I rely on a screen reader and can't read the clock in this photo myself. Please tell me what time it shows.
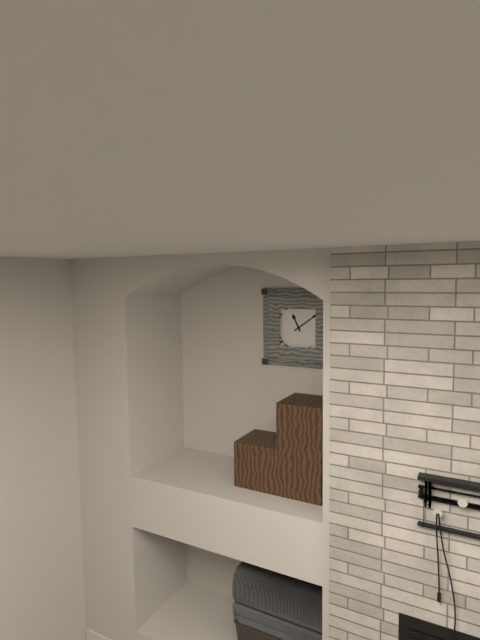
11:09
